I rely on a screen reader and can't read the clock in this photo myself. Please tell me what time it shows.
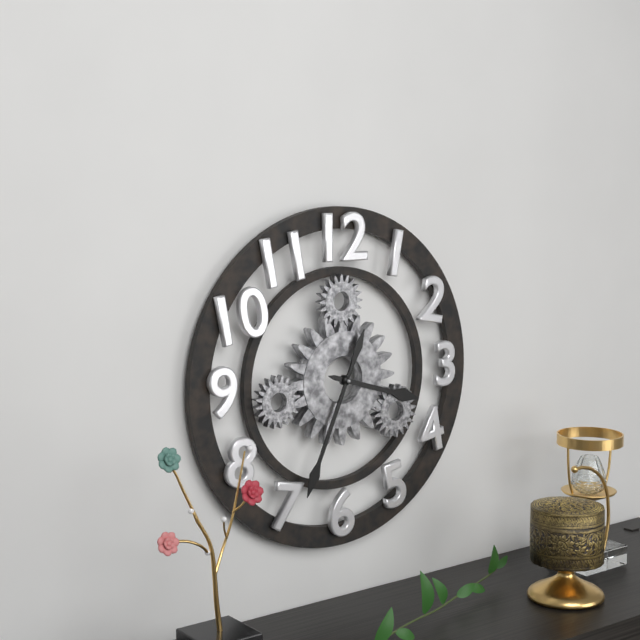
3:34
